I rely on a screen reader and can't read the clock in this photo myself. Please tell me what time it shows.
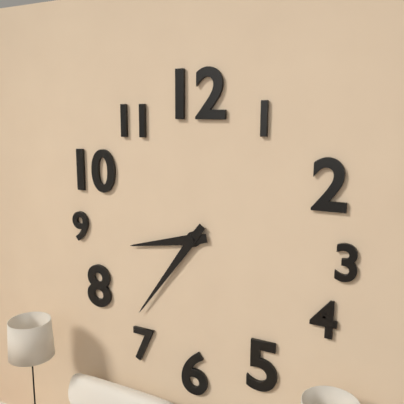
8:36
